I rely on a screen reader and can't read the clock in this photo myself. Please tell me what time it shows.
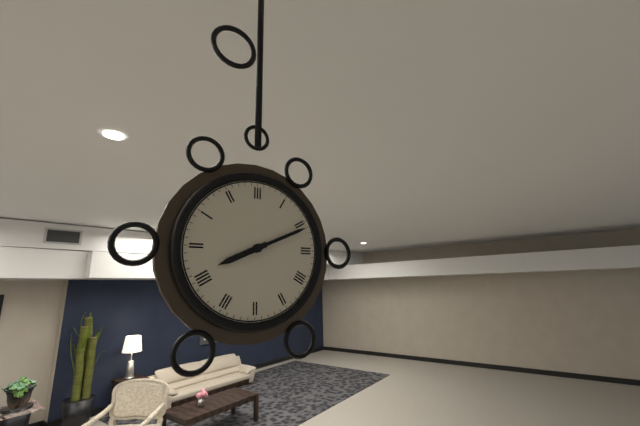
8:11
